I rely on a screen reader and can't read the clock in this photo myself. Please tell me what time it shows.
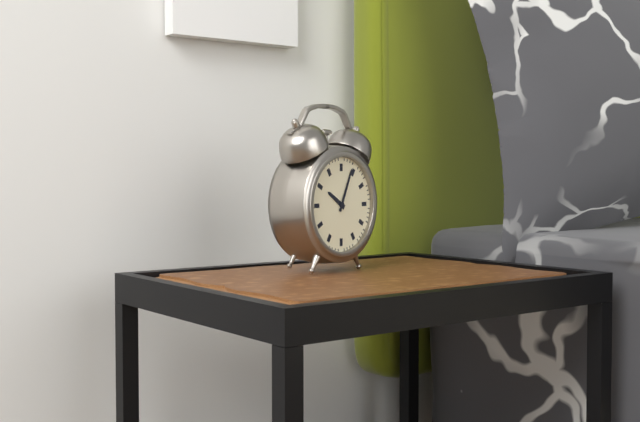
10:04
